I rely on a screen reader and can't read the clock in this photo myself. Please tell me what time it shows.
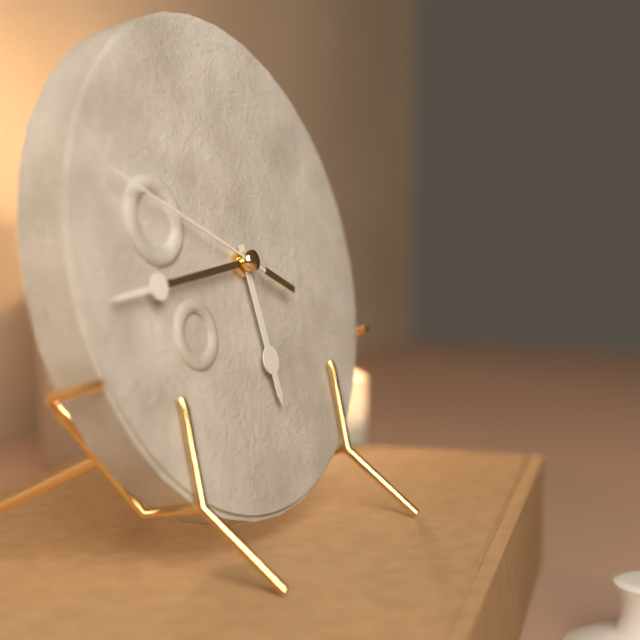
5:44:49
